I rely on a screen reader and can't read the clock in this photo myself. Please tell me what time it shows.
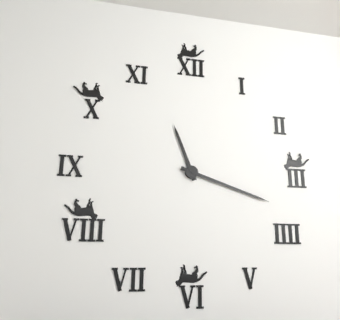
11:18
